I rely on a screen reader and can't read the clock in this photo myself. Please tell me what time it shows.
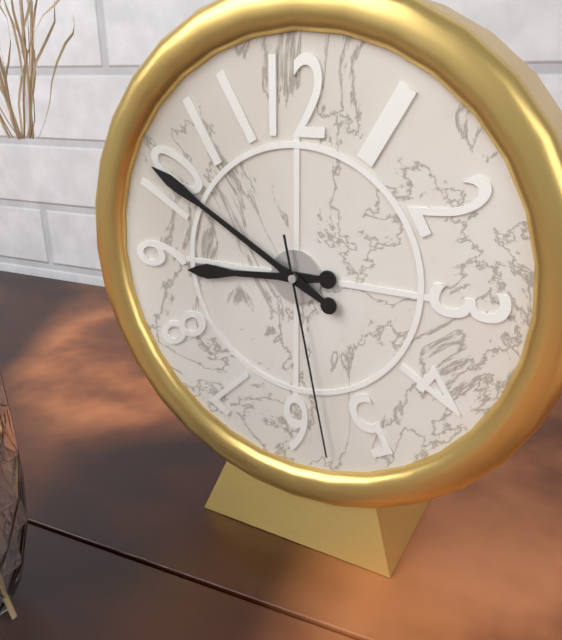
8:50:28
